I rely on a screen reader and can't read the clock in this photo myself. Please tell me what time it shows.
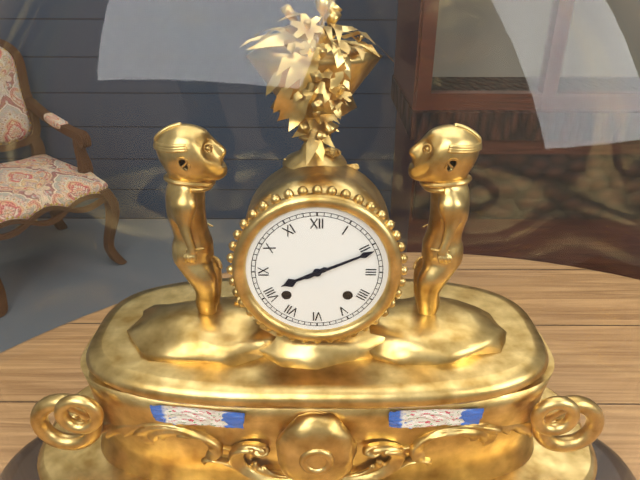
8:11
